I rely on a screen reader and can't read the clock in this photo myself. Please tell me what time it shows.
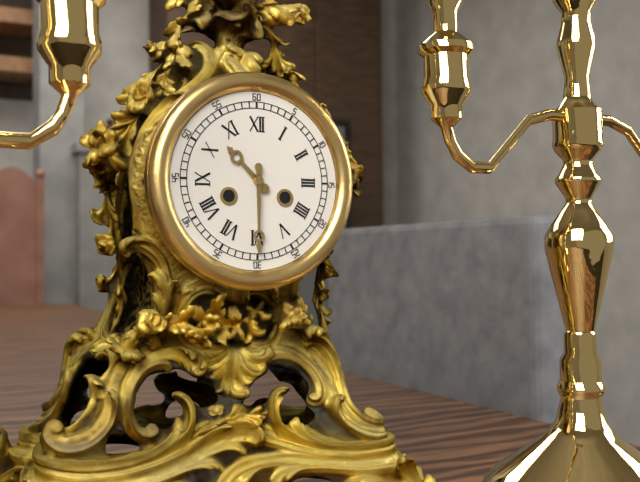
10:30
